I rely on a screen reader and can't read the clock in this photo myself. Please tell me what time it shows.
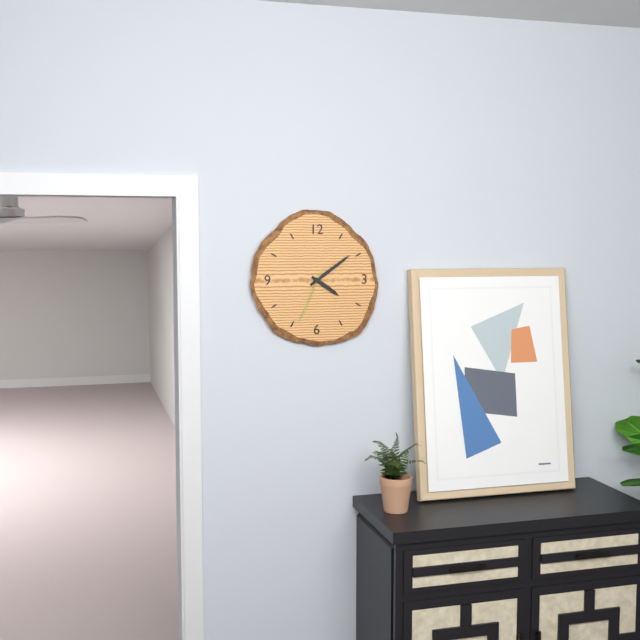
4:09:34
